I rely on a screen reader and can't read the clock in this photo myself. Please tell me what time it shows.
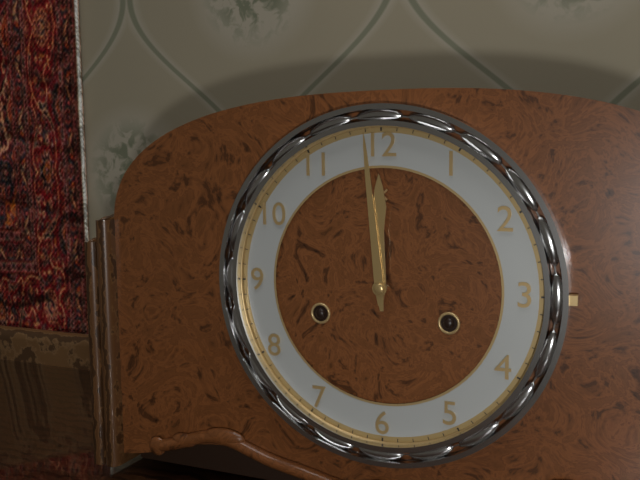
11:59
